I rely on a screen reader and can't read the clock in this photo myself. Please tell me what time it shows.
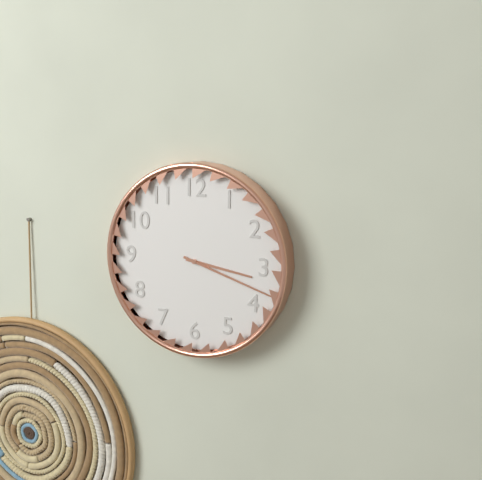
3:18
